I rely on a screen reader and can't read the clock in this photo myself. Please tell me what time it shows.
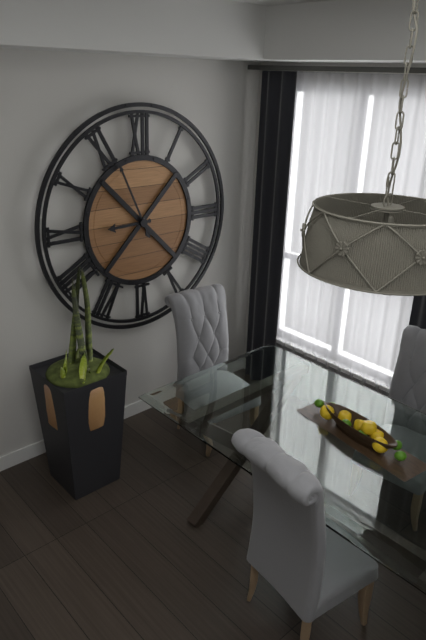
8:56
